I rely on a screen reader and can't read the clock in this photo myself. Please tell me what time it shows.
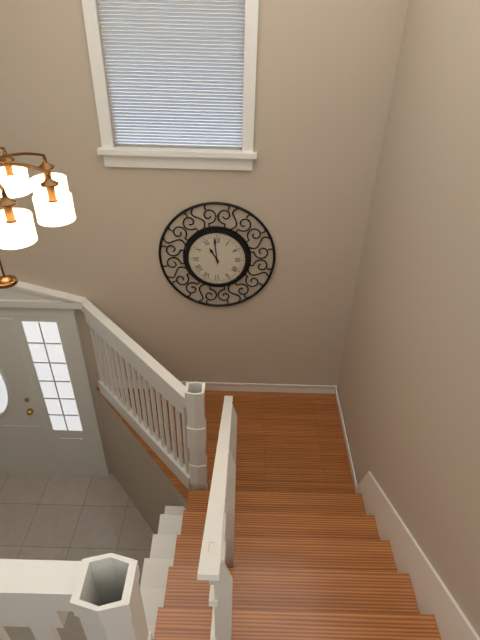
10:59
